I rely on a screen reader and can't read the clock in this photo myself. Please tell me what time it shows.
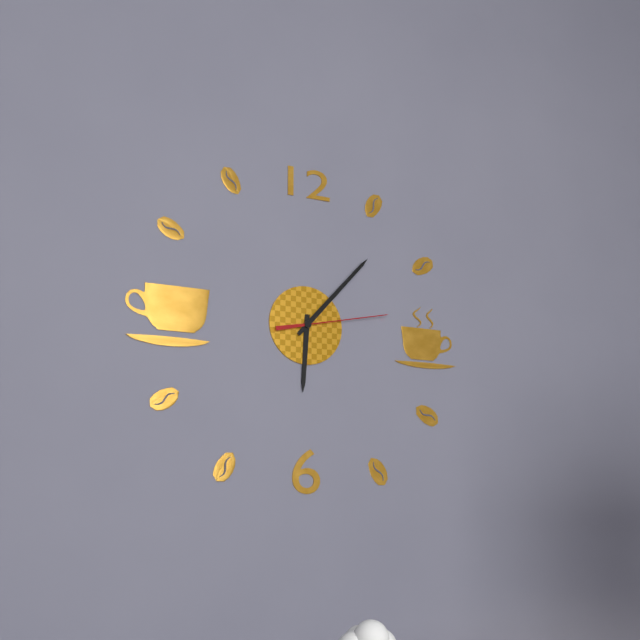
6:07:13
